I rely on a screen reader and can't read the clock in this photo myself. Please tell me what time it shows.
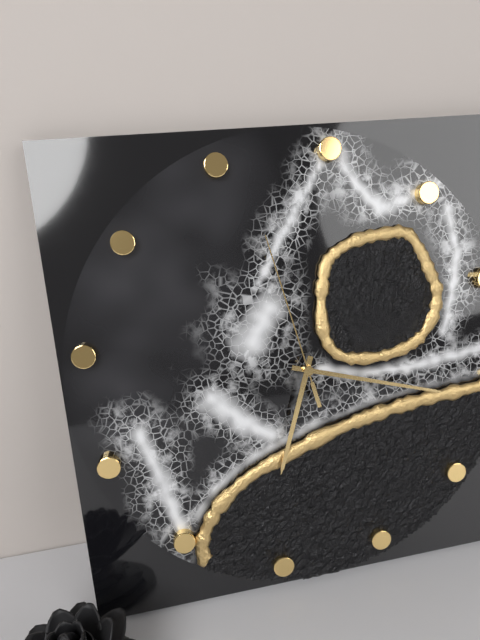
6:16:56
